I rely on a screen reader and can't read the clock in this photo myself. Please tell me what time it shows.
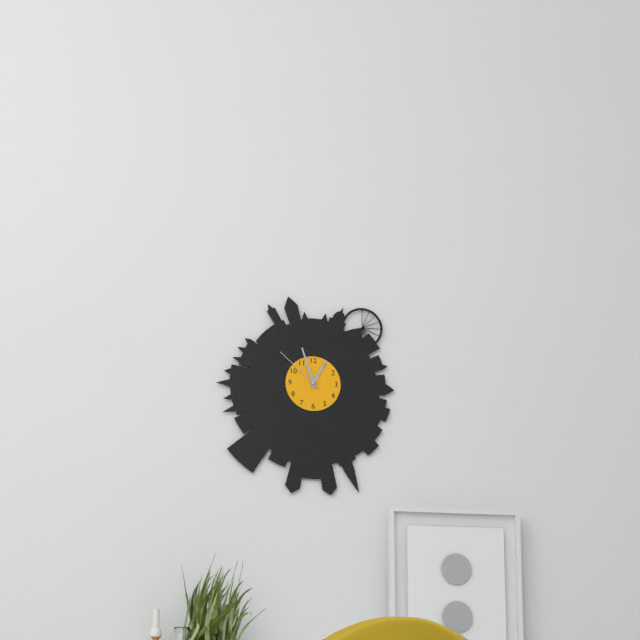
12:57:52
